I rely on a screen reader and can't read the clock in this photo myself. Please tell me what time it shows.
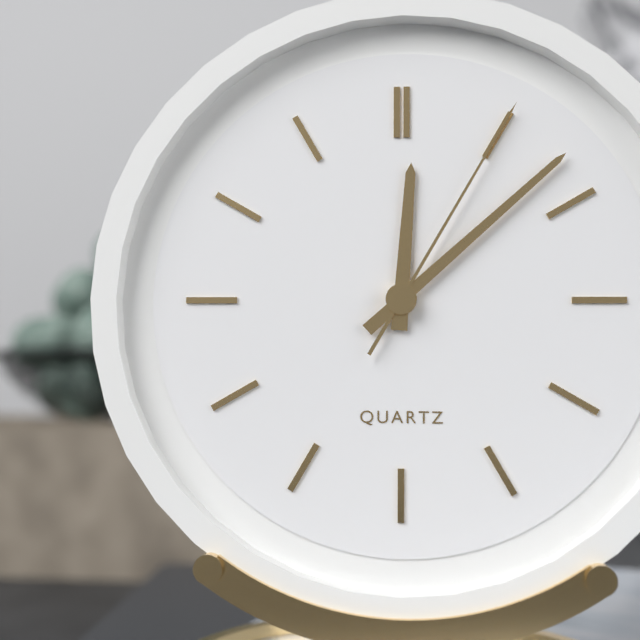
12:08:05
